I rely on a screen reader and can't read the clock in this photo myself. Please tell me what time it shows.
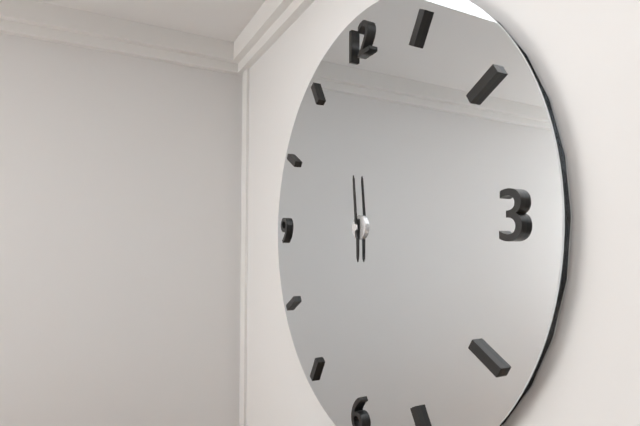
5:59
